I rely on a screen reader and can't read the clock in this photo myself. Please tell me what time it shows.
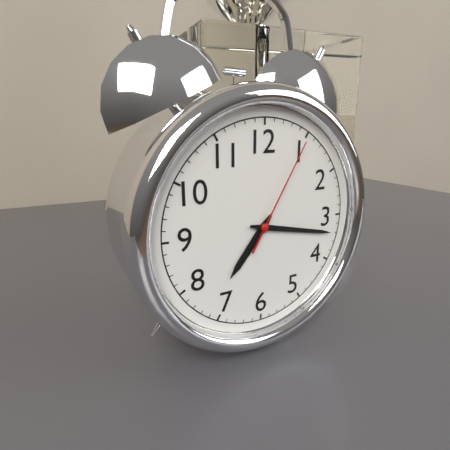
7:17:05
